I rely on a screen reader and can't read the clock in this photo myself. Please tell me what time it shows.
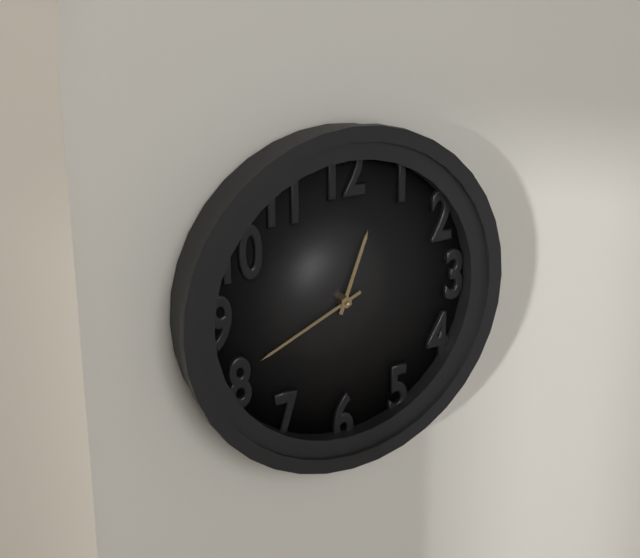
12:41
